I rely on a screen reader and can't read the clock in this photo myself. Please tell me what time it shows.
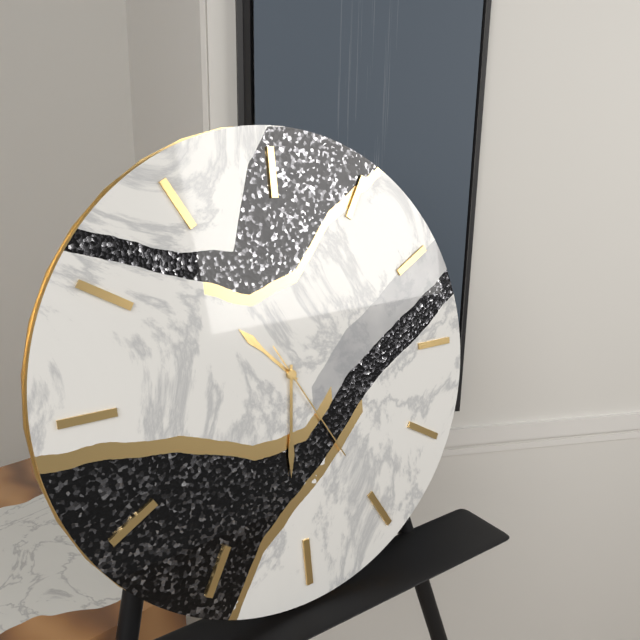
10:31:25
